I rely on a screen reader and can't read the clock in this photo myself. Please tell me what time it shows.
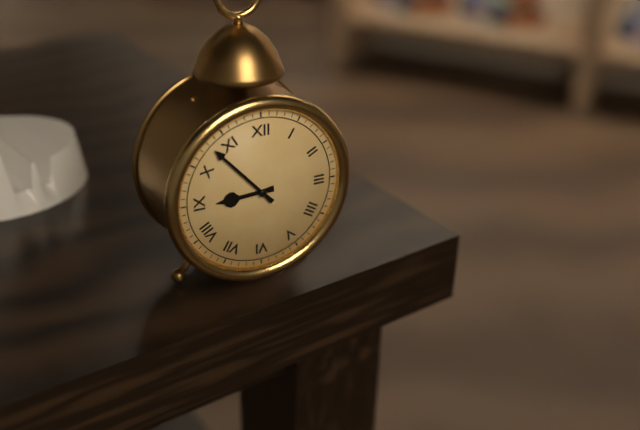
8:53
